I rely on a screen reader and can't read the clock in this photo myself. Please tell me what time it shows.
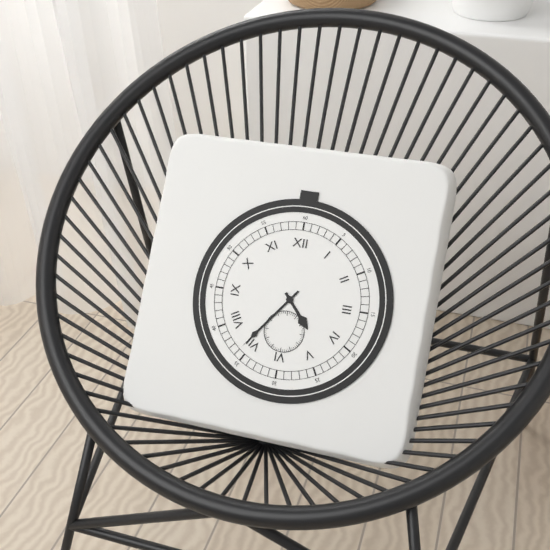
4:36
